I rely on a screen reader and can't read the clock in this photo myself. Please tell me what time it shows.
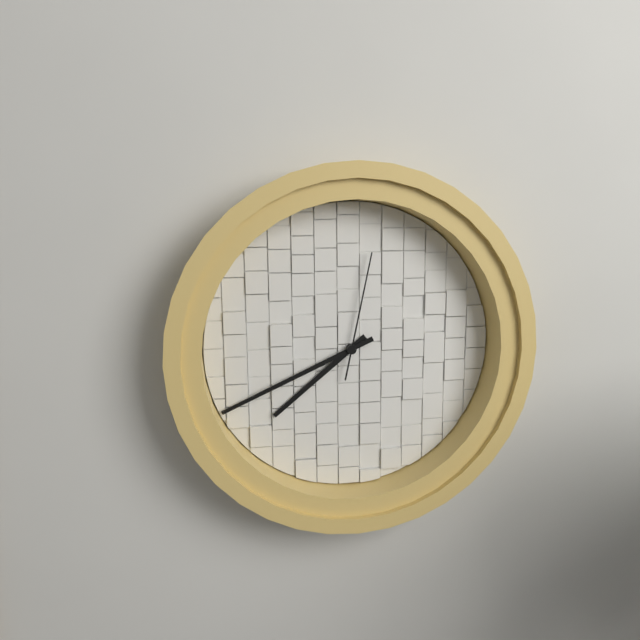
7:41:02
